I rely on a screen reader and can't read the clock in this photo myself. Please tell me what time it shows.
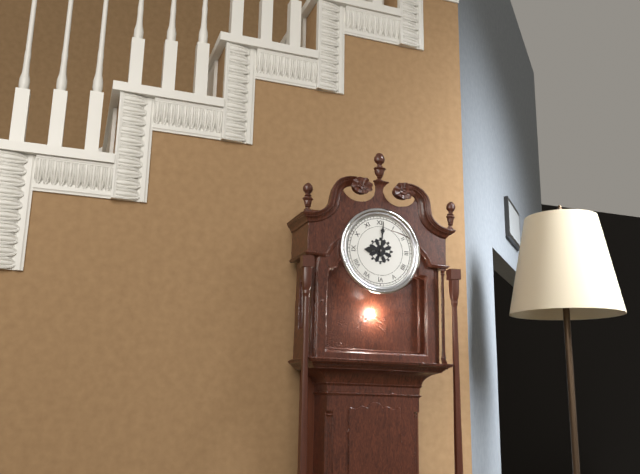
9:01
